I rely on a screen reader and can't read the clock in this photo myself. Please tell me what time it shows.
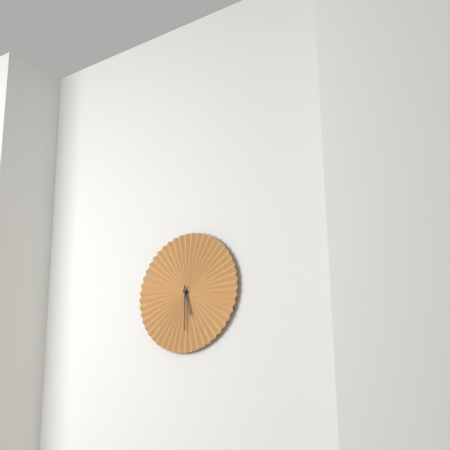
5:30
